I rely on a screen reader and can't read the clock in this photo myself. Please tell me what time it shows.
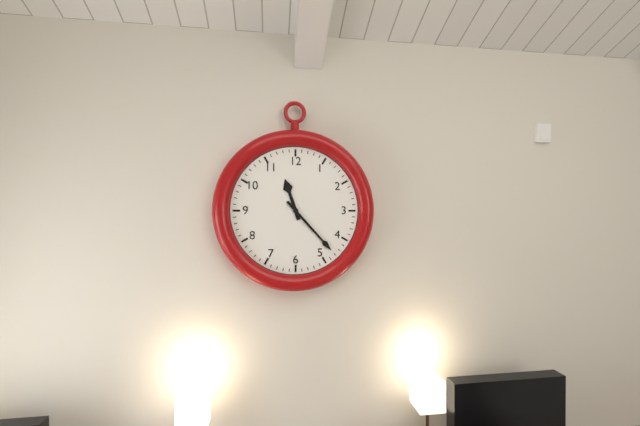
11:23
